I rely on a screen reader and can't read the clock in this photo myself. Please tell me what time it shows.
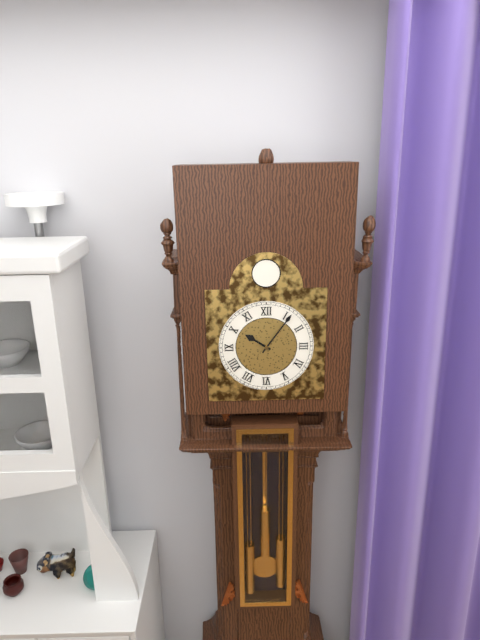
10:06
